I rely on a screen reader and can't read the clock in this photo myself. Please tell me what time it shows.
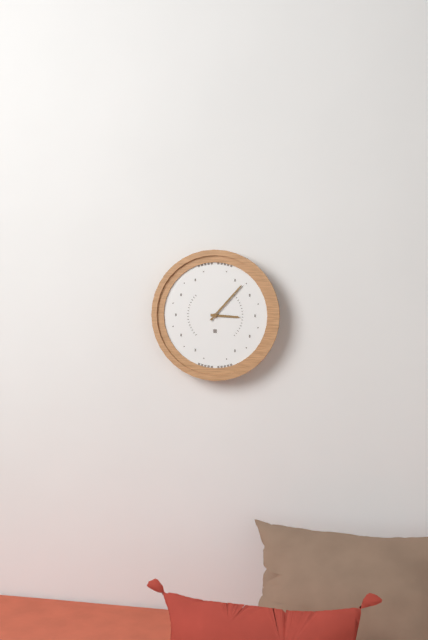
3:07
